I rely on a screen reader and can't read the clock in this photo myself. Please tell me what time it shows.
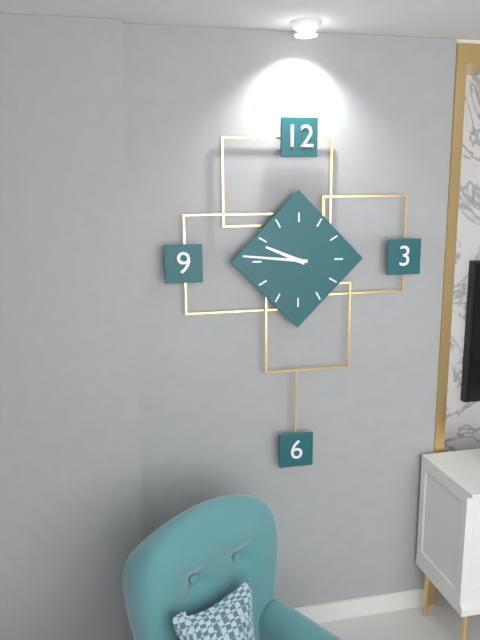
9:46
